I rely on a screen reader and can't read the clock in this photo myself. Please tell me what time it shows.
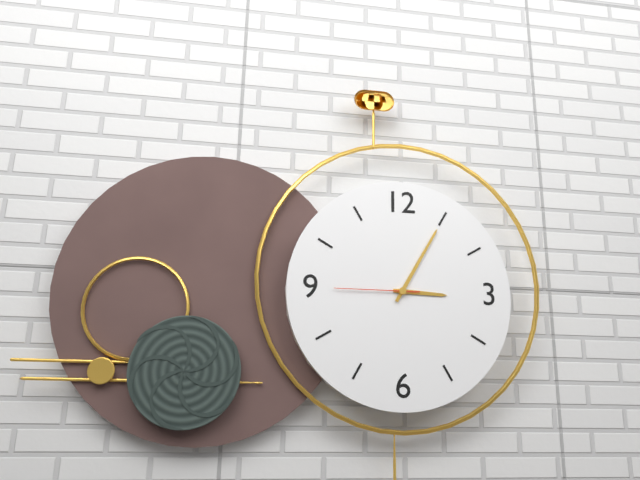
3:05:45
